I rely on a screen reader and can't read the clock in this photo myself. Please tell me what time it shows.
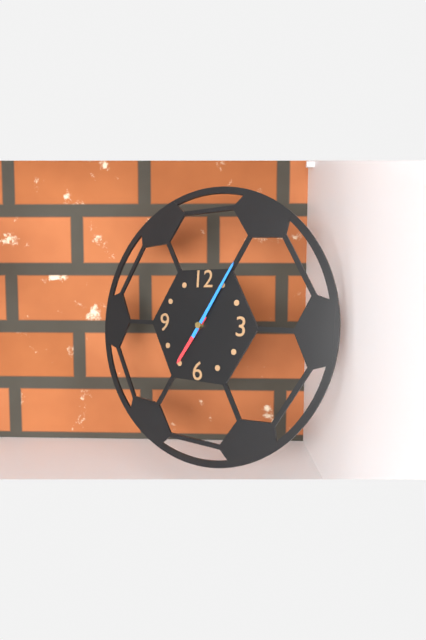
7:05
